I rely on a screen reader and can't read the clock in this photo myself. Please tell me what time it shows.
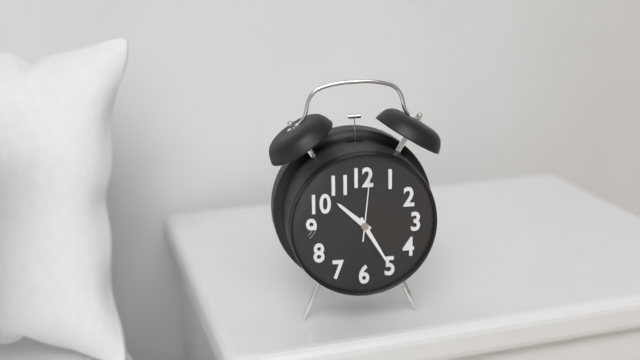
10:25:01
